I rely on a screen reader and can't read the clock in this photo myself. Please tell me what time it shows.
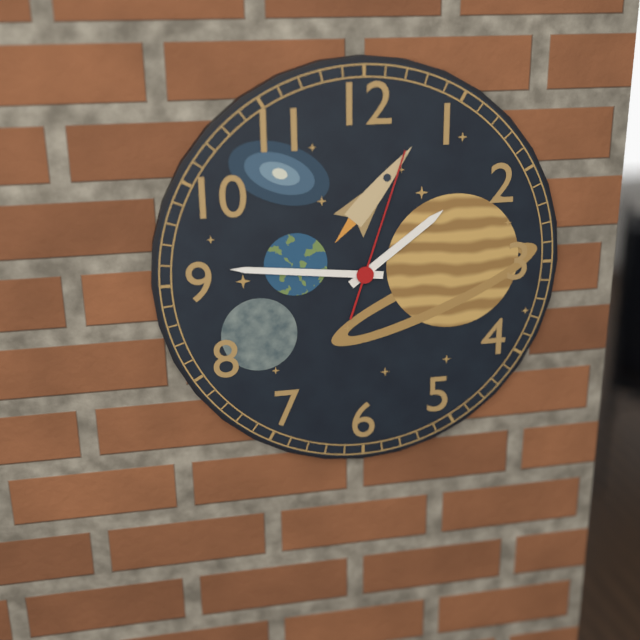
1:46:03
